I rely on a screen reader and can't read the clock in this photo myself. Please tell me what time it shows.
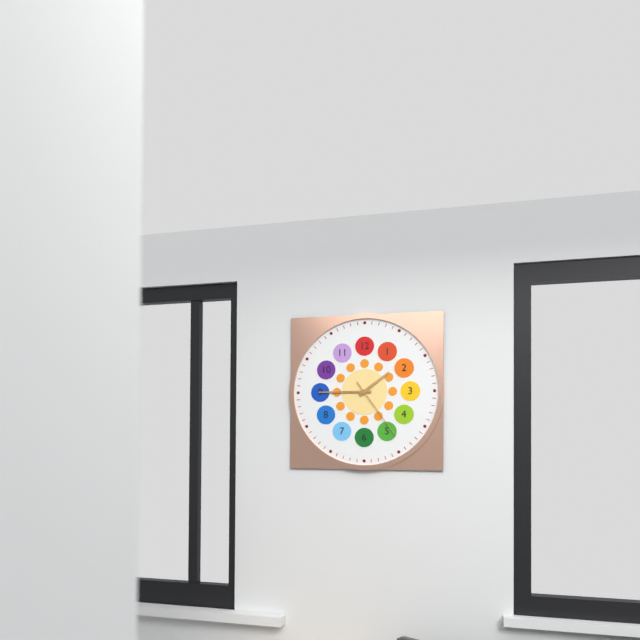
1:45:24
